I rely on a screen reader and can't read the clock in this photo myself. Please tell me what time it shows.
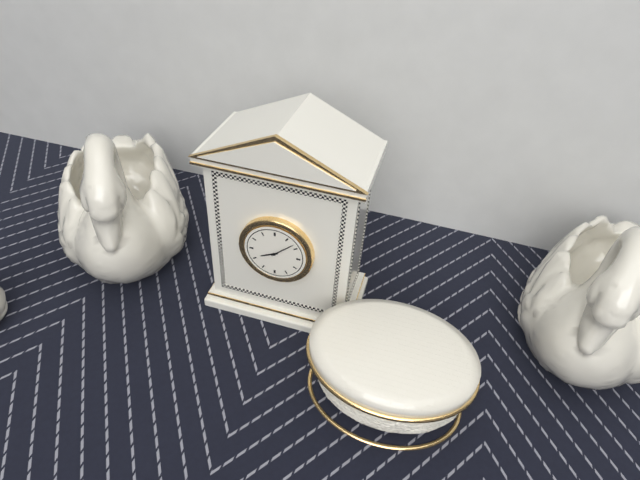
8:08
